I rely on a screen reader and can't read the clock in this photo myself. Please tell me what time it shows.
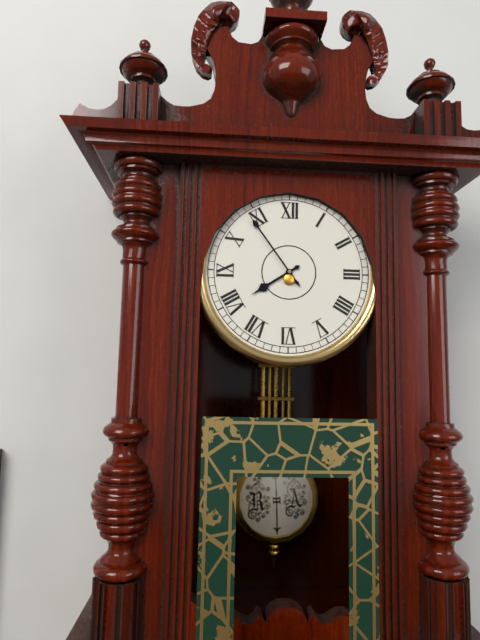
7:54
